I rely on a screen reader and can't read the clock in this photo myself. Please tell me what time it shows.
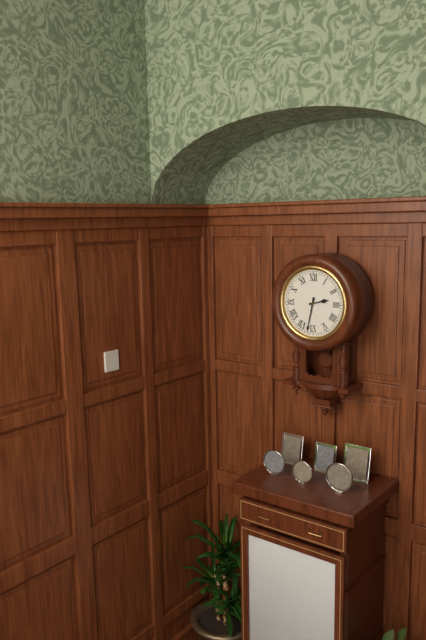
2:32
